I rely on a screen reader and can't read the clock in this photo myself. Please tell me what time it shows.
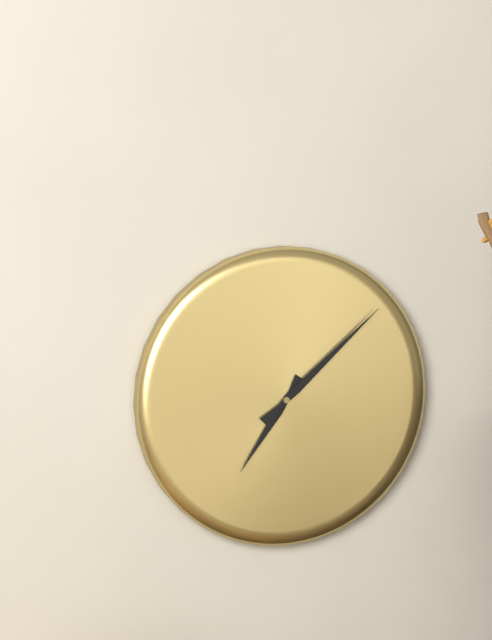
7:08
